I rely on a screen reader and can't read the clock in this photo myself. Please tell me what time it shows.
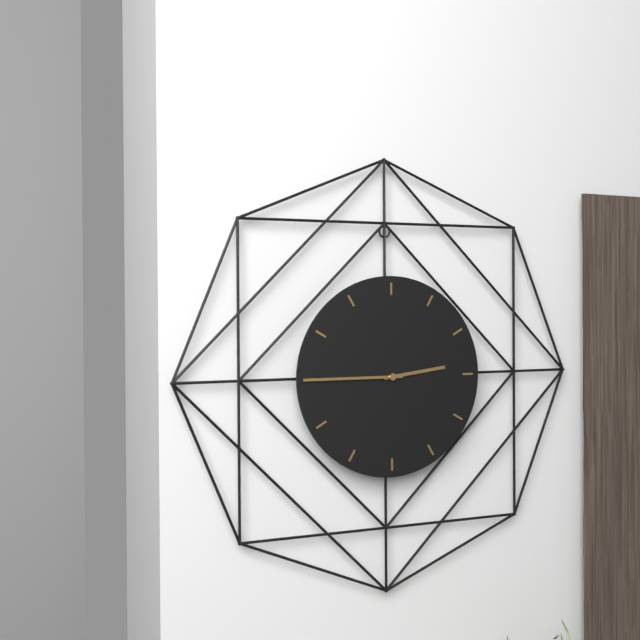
2:45
